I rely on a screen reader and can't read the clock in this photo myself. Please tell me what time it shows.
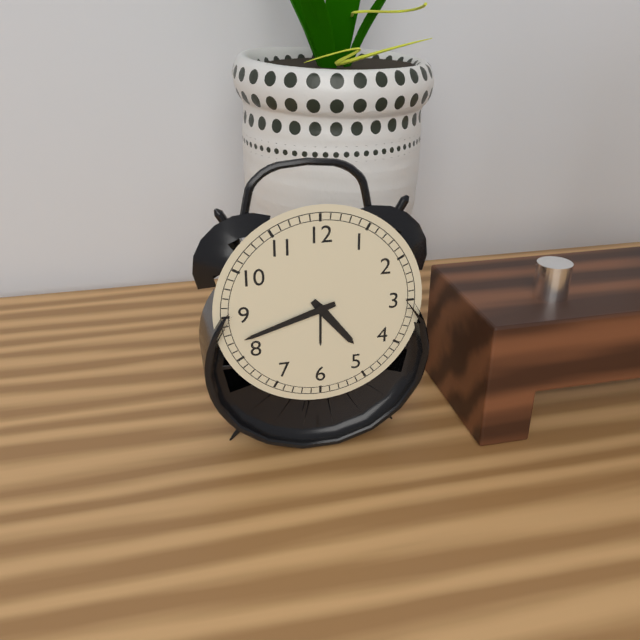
4:42
